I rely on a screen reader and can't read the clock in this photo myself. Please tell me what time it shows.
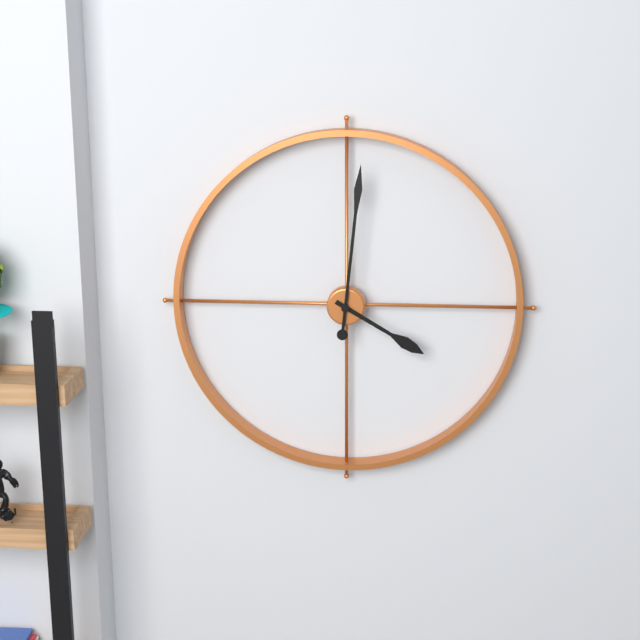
4:01
